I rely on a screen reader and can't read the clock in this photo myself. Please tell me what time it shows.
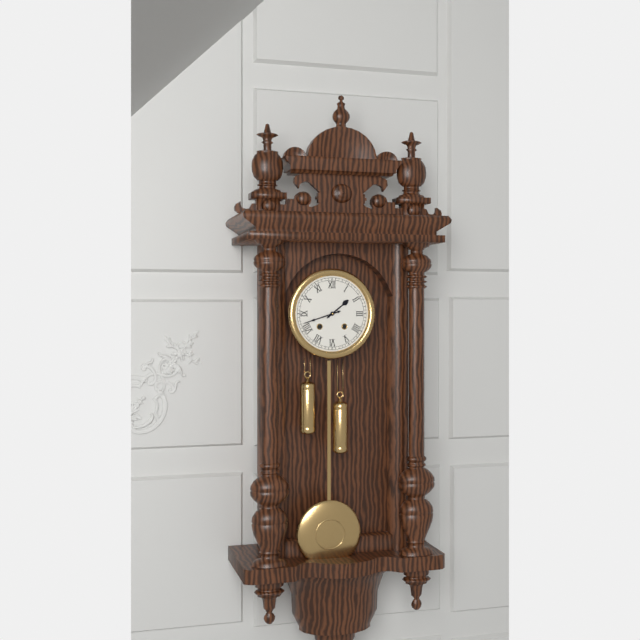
1:42
